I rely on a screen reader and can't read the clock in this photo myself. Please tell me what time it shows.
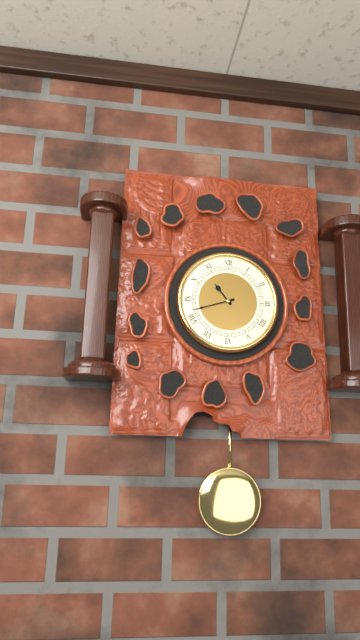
10:42
